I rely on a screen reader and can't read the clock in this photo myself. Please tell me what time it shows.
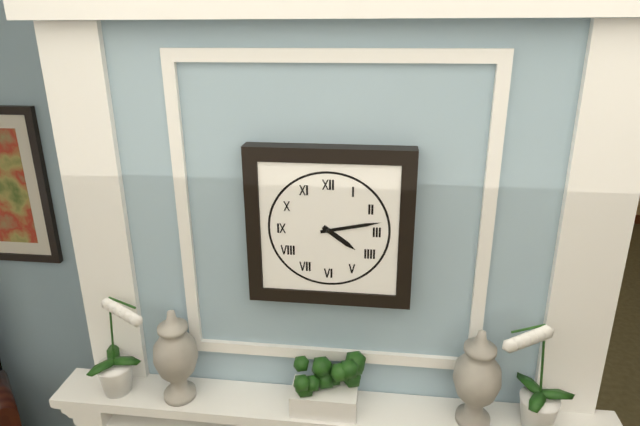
4:13
